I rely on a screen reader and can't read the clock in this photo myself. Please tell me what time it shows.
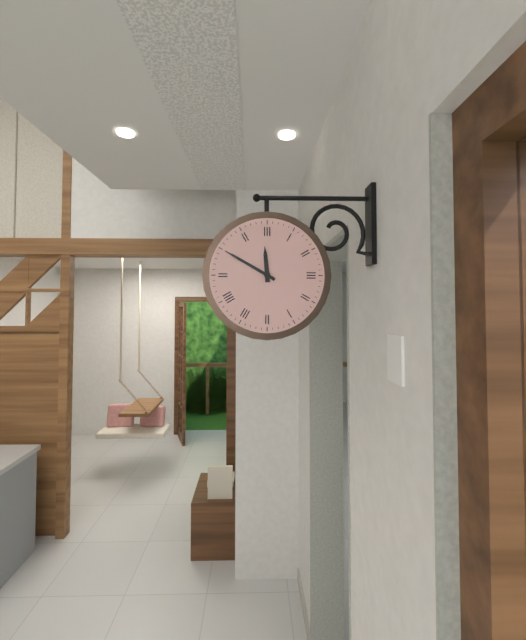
11:50
